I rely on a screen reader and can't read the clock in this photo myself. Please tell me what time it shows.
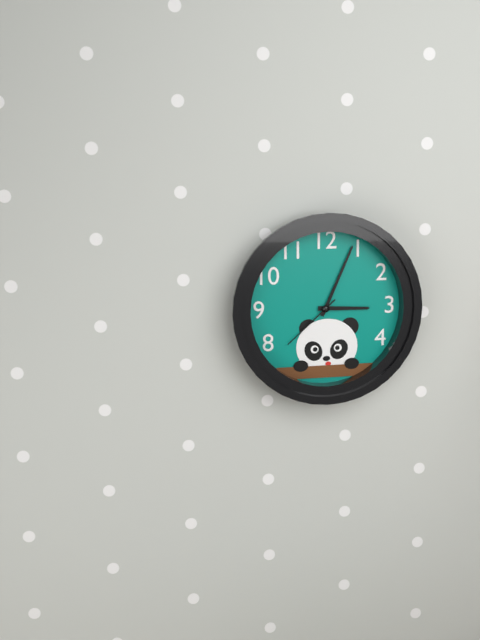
3:04:38
